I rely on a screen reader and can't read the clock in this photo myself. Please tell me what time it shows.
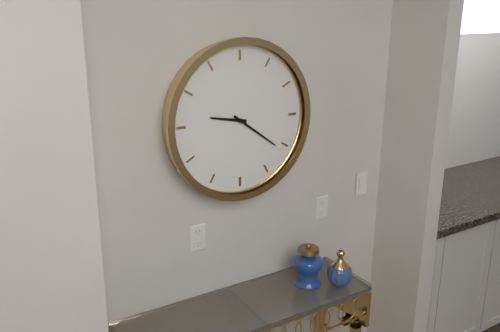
9:21
